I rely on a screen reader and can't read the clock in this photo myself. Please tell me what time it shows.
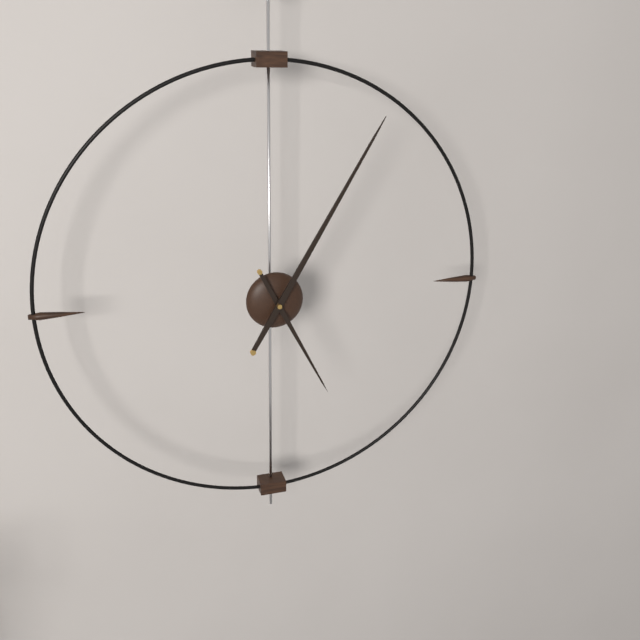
5:05
